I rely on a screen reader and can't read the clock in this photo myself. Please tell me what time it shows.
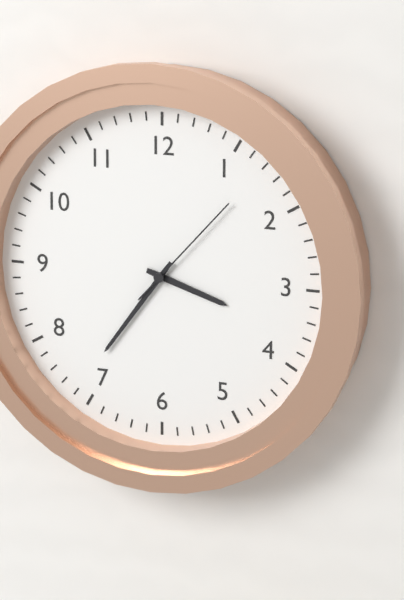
3:36:07
